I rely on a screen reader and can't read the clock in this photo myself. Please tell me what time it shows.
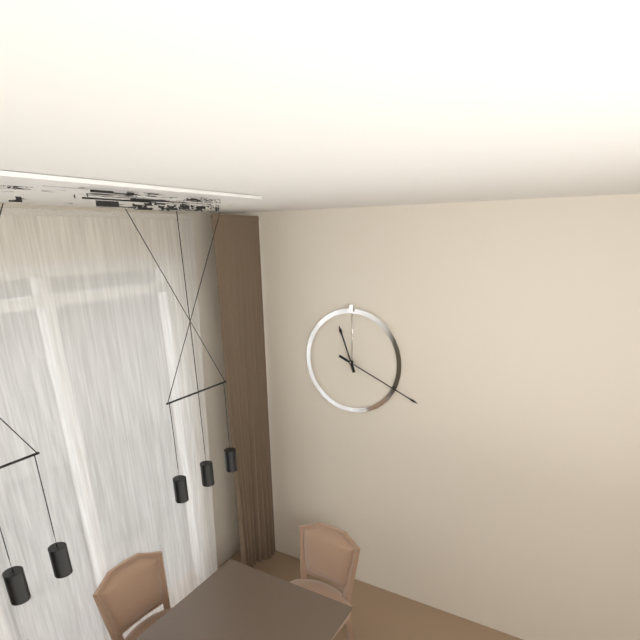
11:19
